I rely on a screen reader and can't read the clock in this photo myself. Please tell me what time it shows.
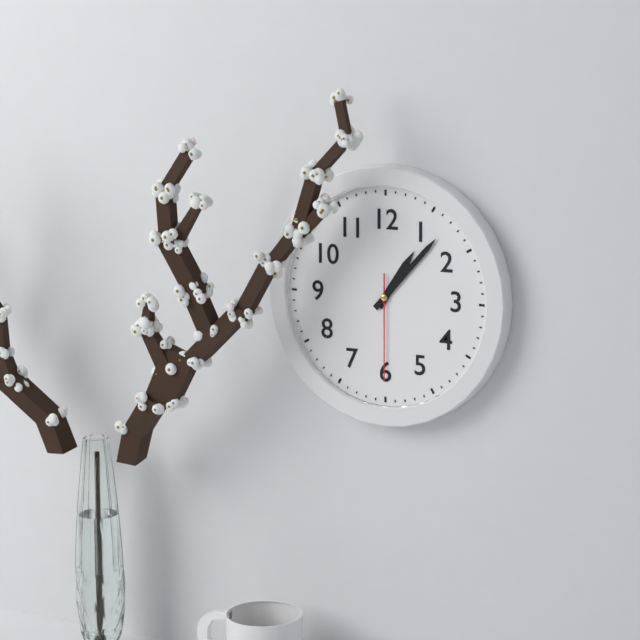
1:07:30
